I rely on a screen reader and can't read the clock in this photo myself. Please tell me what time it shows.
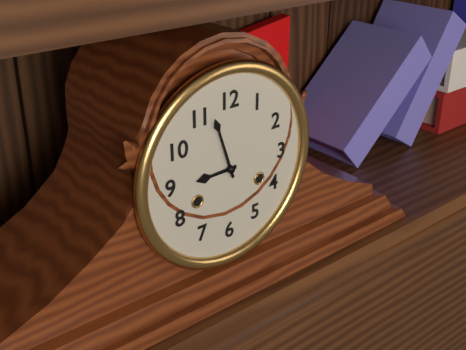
8:57
